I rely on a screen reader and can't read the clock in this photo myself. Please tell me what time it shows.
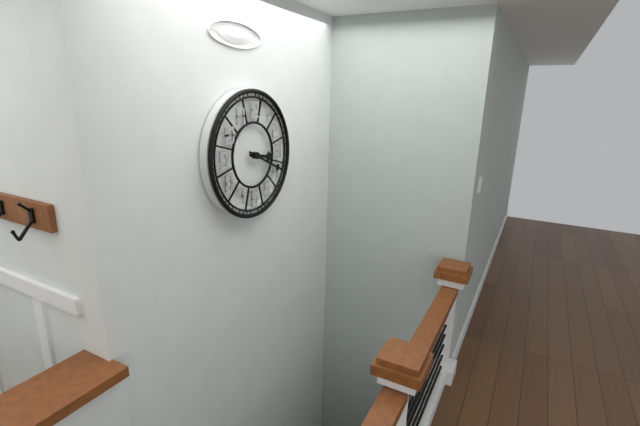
3:19
